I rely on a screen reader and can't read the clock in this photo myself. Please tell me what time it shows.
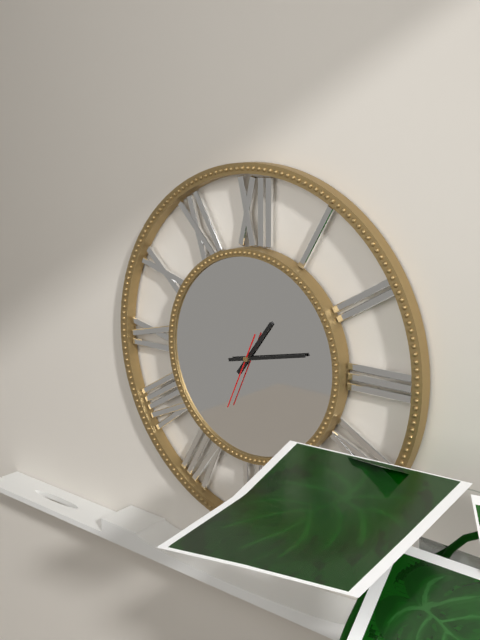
1:13:34
